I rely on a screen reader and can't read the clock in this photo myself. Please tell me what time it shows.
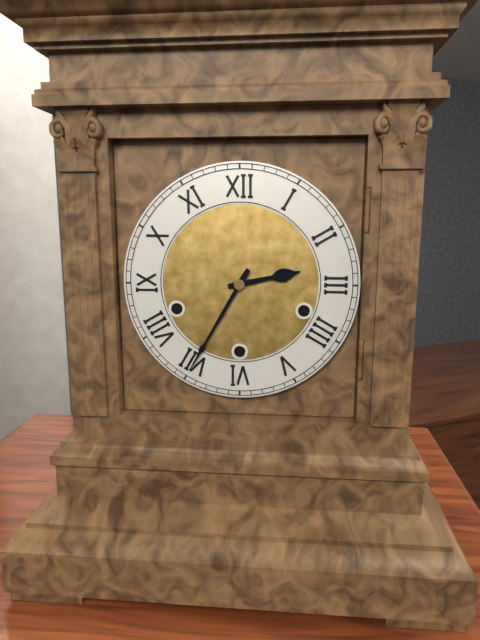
2:35
